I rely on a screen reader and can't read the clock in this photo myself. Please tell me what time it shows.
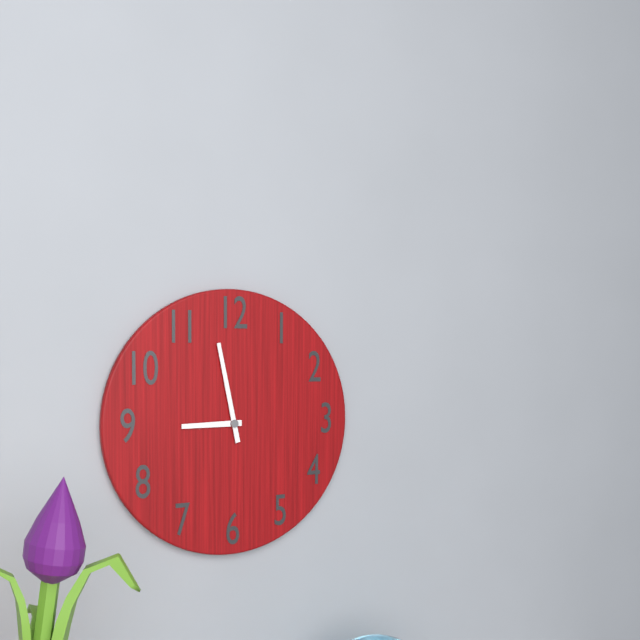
8:58
